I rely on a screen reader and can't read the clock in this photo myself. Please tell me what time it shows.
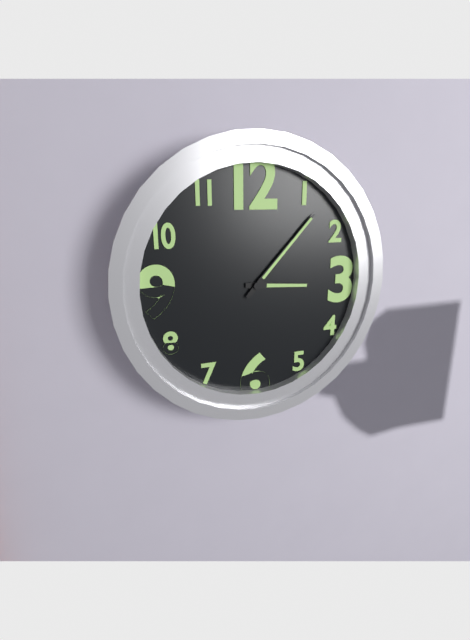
3:07
